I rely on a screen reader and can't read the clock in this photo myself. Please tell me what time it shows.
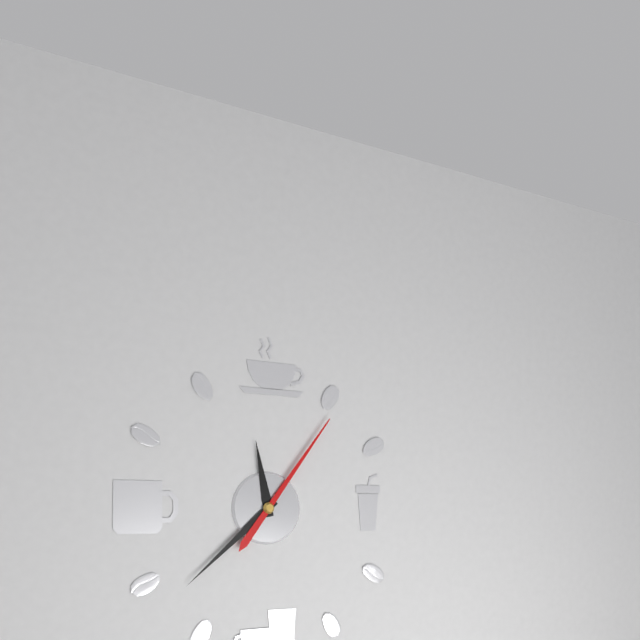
11:38:06
